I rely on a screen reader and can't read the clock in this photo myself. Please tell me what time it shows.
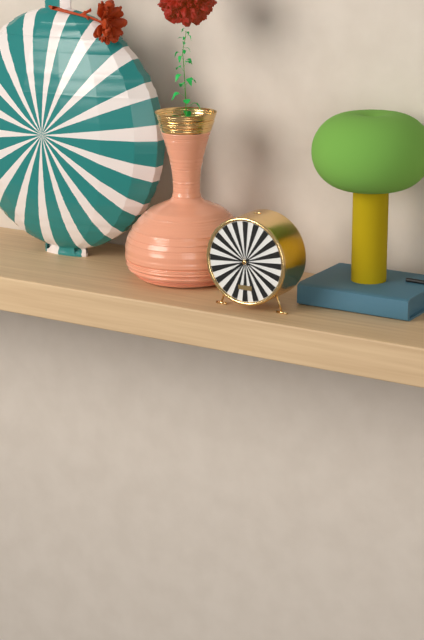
7:48
